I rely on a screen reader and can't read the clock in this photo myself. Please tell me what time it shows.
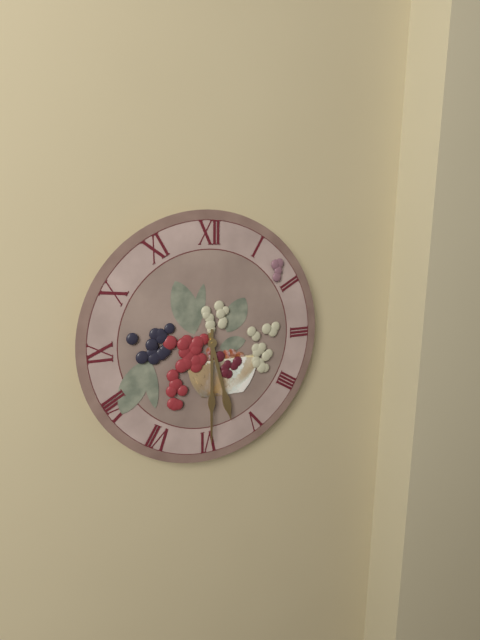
5:30
